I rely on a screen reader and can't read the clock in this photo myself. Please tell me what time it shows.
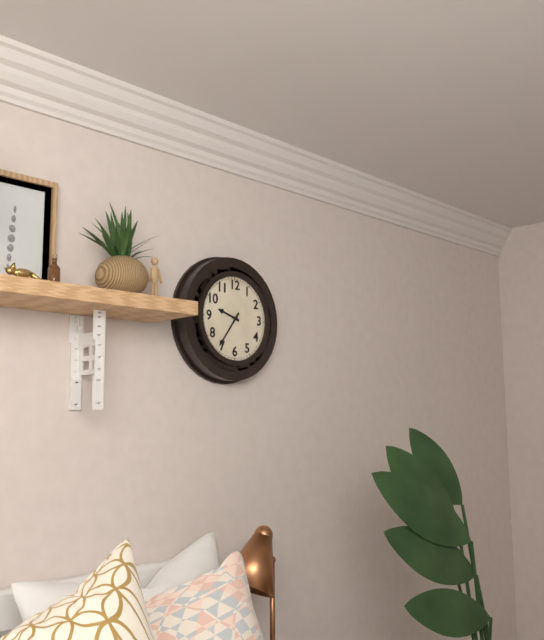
9:36
